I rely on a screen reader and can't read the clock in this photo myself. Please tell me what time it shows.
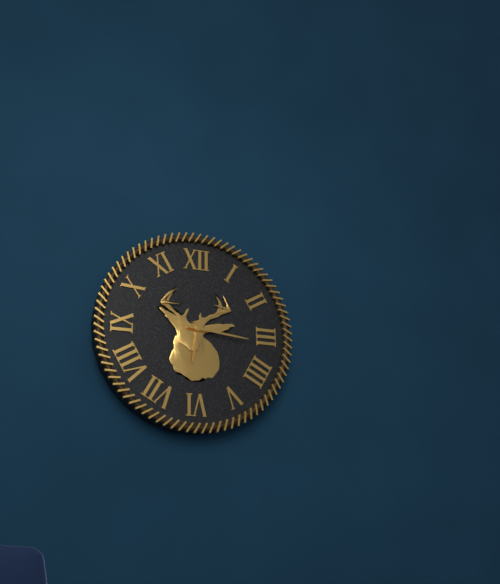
6:16
